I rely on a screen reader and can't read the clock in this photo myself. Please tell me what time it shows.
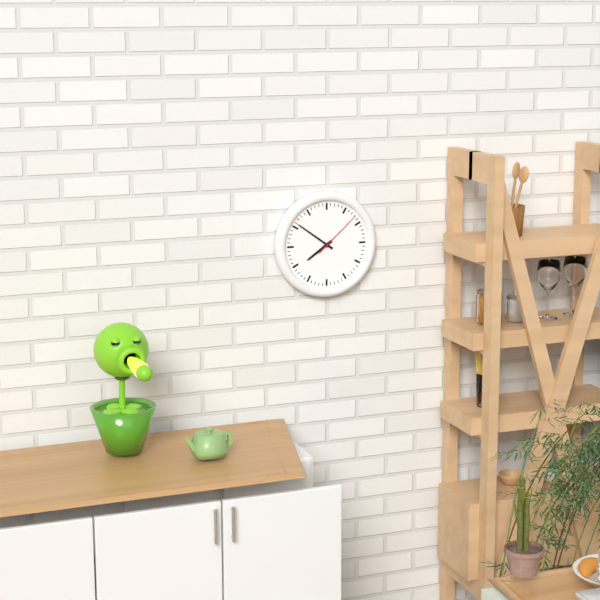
7:51:08
